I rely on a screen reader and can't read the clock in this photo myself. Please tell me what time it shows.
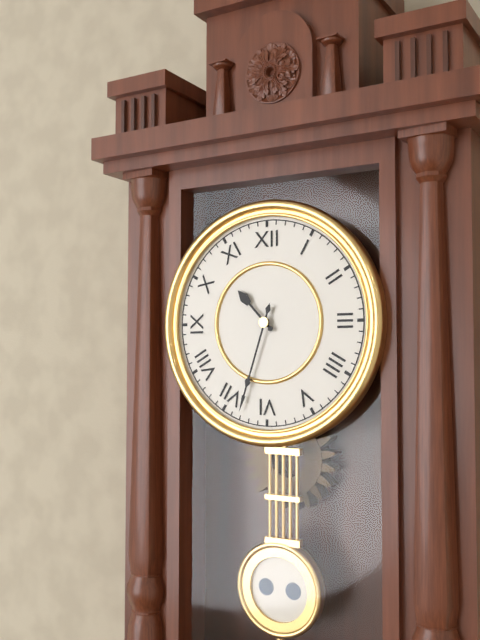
10:33
